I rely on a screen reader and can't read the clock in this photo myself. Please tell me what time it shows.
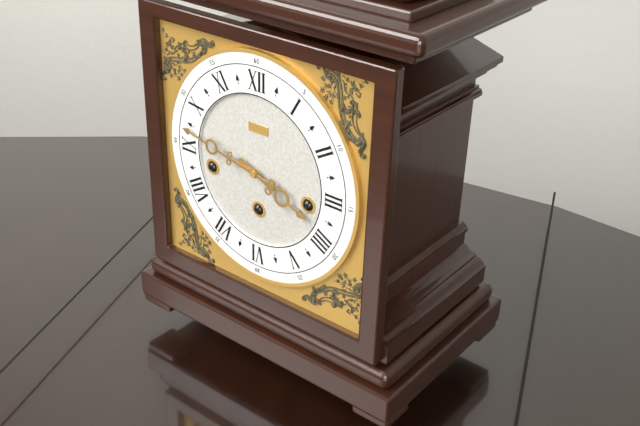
3:47
